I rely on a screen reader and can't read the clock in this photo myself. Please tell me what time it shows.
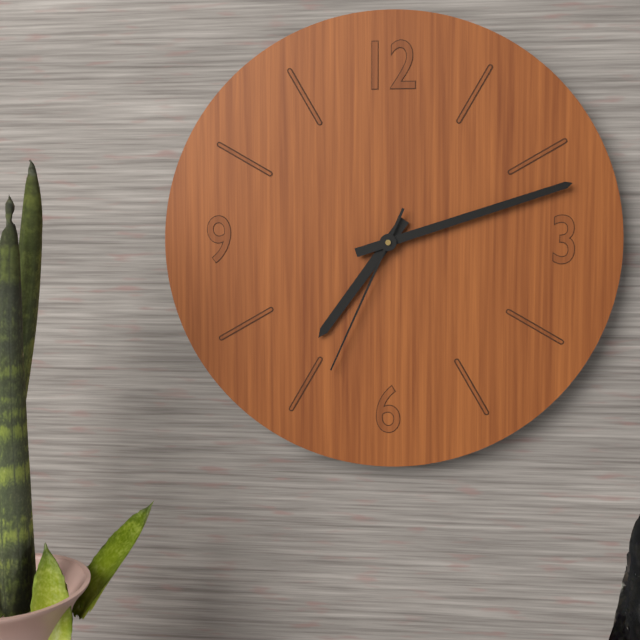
7:12:34
